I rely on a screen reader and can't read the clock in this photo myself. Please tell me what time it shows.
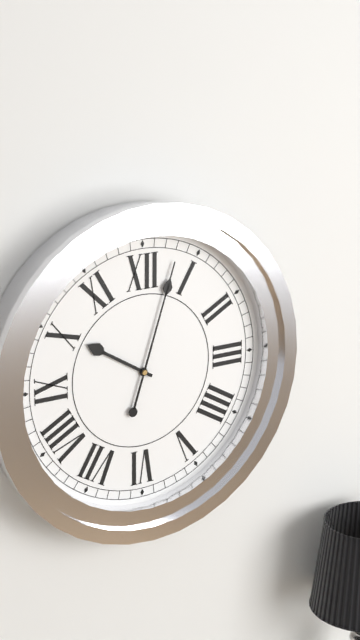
10:03
